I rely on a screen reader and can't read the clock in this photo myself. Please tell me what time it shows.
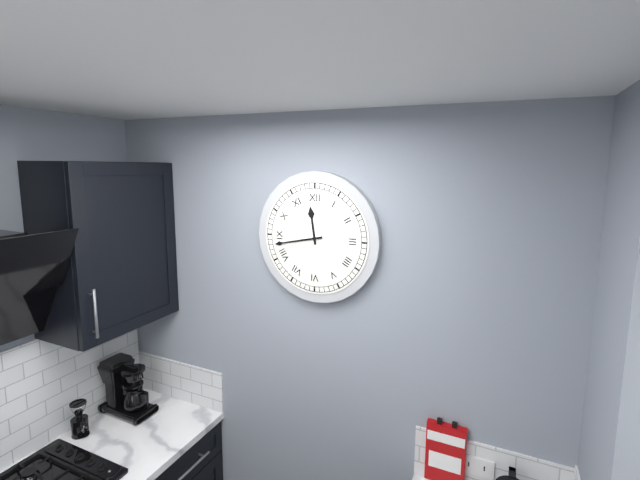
11:43
